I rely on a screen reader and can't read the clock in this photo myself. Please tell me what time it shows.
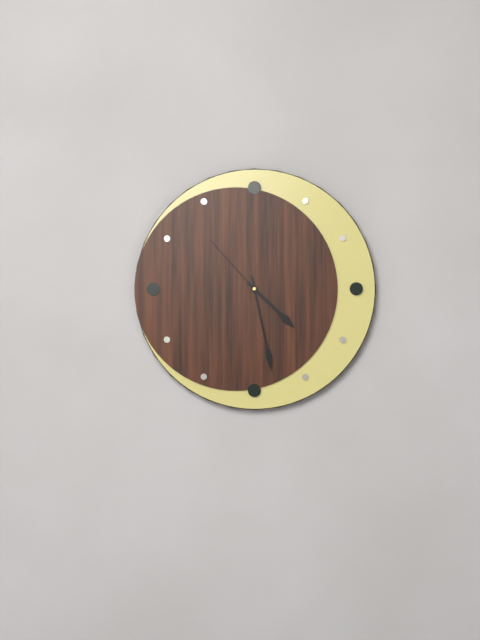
4:28:53
